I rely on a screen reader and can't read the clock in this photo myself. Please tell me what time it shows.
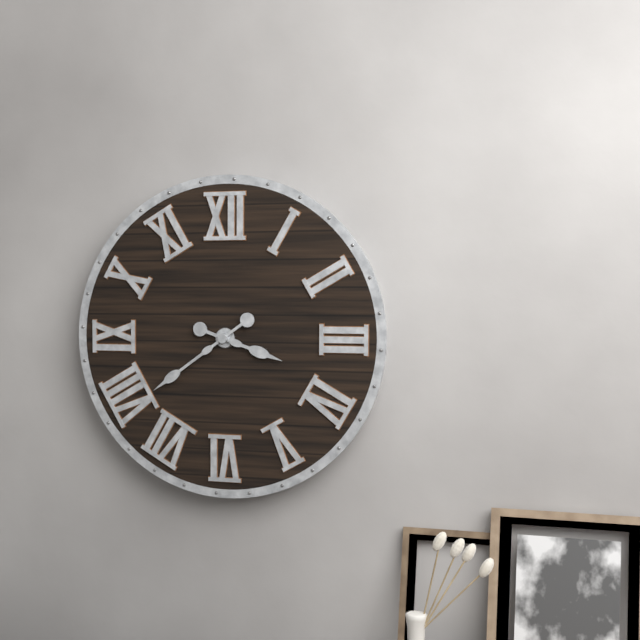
3:39
